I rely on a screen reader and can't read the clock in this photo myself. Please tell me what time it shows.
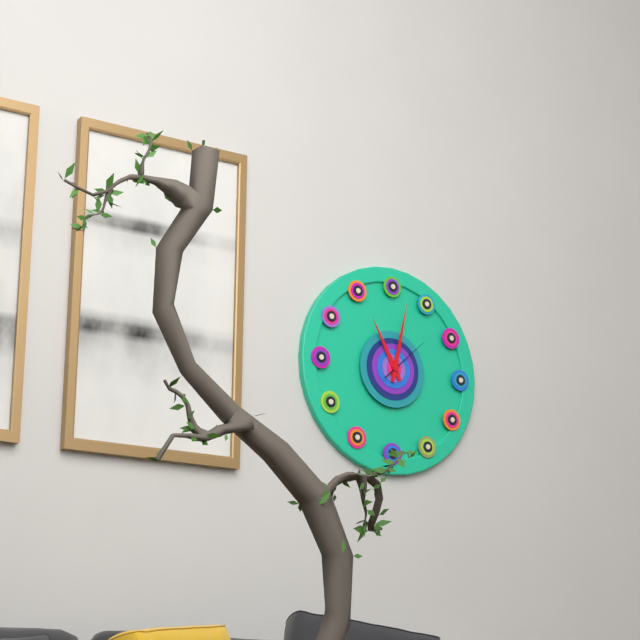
11:02:08
